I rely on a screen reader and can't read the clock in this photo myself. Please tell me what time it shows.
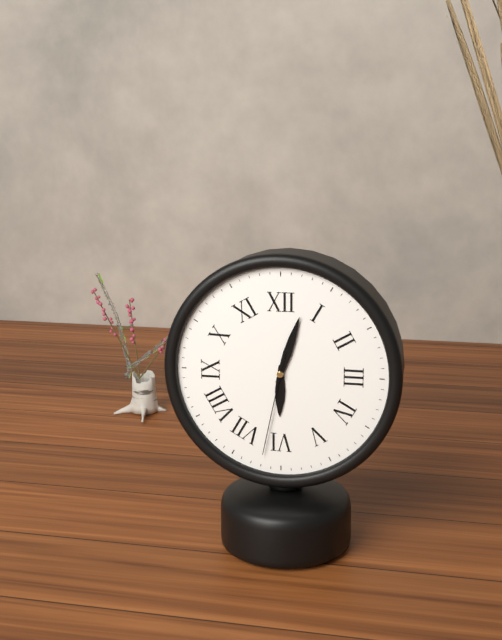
6:03:32
